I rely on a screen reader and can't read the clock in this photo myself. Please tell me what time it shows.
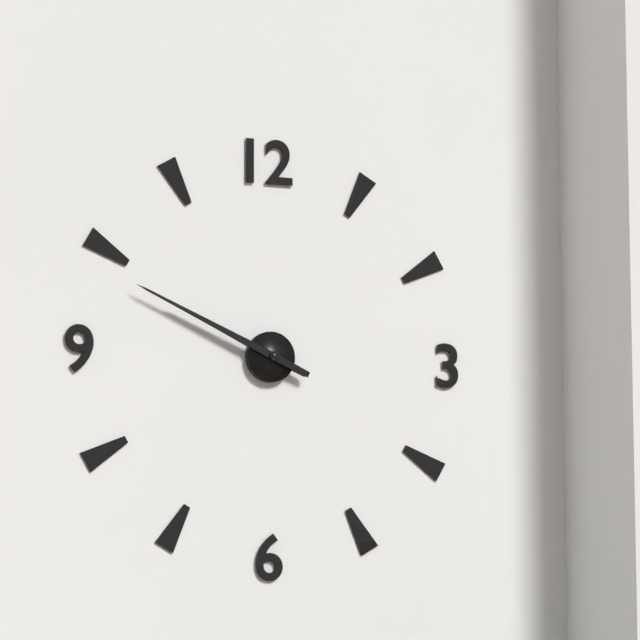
9:49
